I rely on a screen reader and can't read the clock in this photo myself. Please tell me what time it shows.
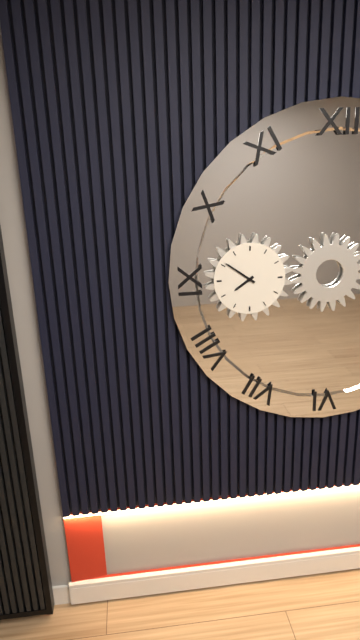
7:51
